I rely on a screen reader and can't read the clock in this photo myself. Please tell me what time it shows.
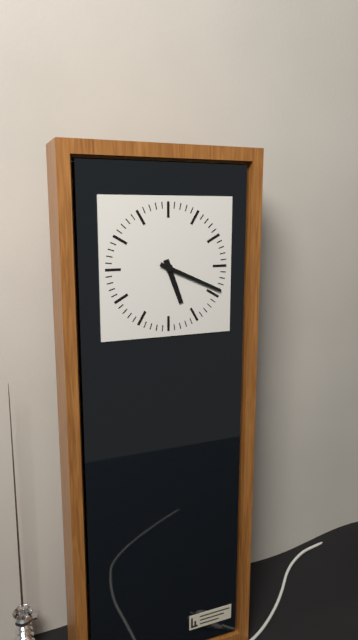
5:19
